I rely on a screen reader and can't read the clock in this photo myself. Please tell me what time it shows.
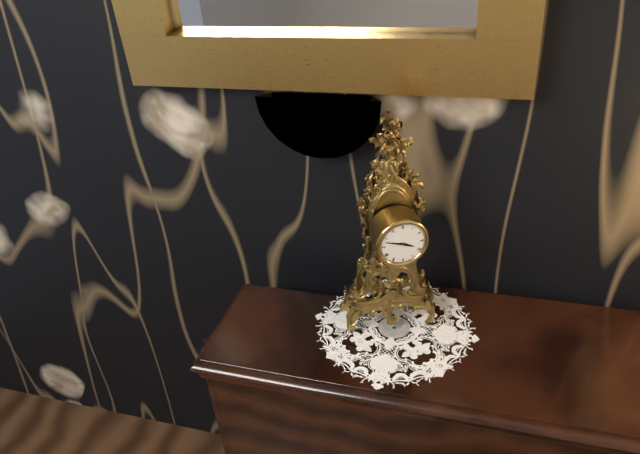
3:48
